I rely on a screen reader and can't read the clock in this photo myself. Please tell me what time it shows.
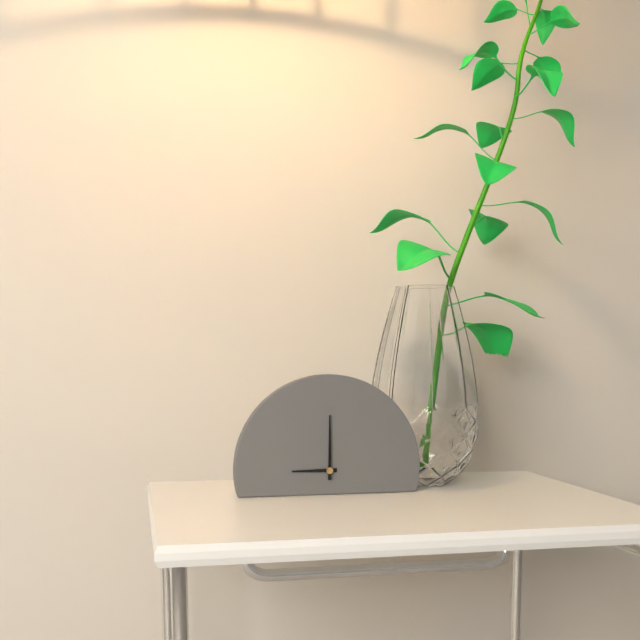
9:00
